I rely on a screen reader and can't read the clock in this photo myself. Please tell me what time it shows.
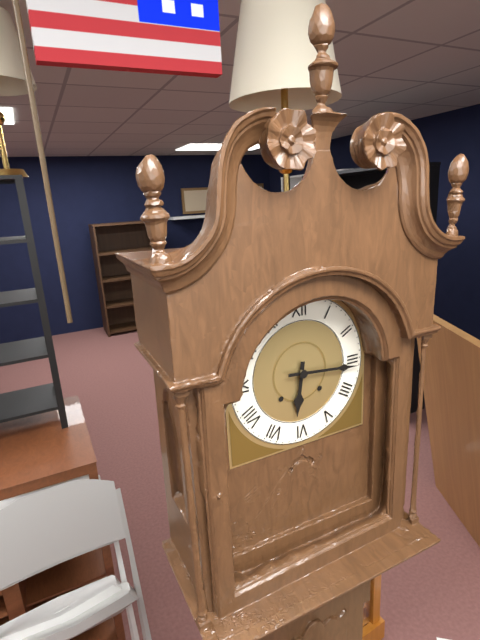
6:16
